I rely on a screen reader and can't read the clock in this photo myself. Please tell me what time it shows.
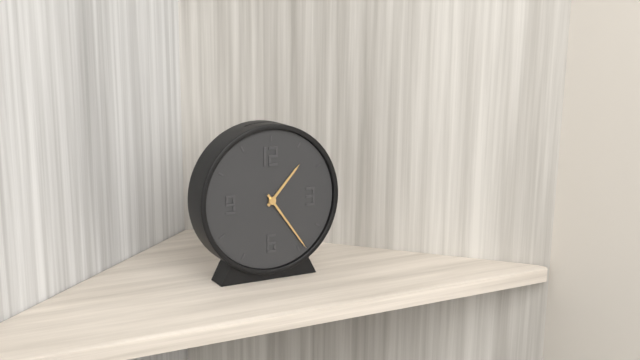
1:24
